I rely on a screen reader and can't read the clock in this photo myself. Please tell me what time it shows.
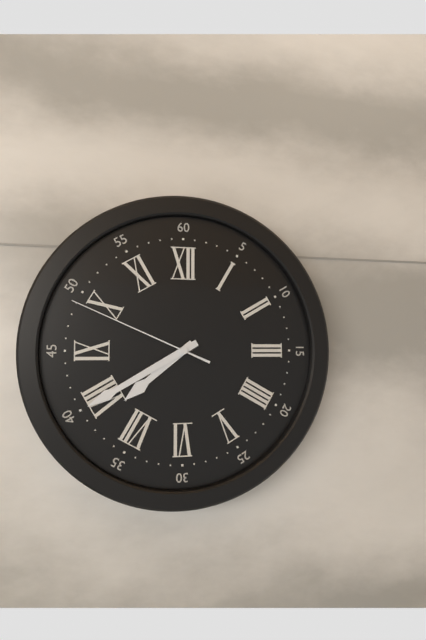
7:40:49
